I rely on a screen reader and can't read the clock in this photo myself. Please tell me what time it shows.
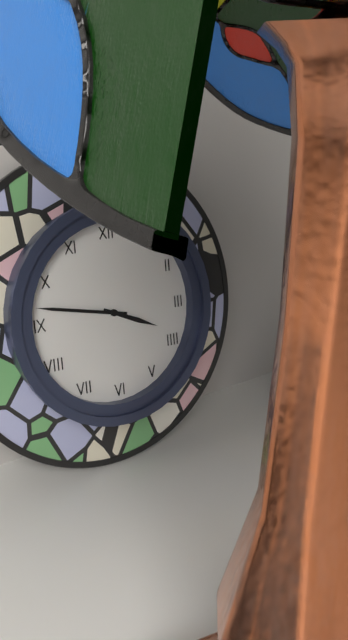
3:47
